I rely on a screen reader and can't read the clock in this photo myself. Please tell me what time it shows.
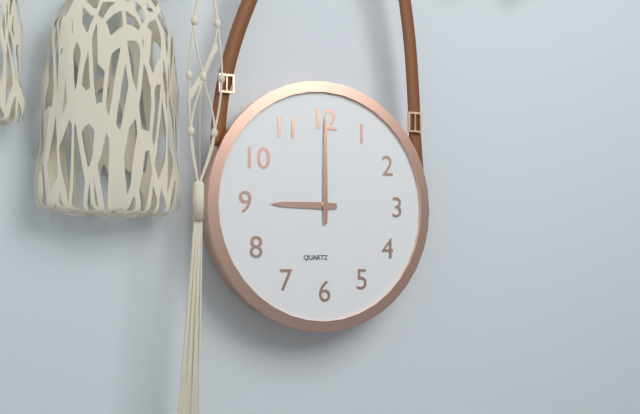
9:00
